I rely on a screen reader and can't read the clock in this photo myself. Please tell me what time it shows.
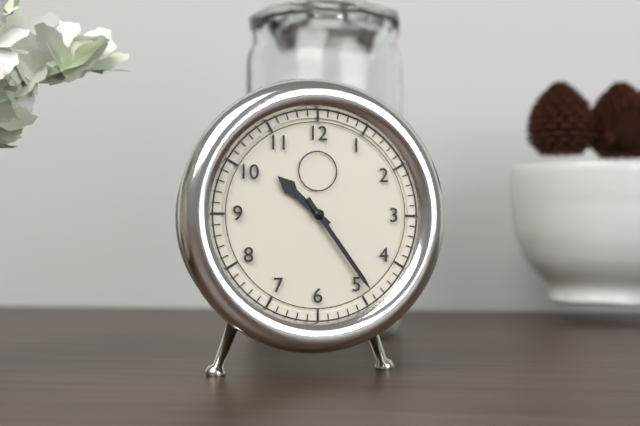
10:24
